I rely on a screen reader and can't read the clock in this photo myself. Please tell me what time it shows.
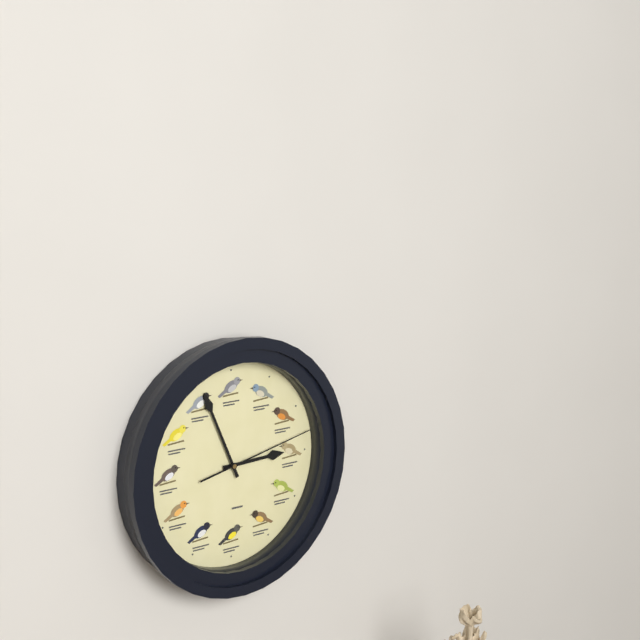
2:56:13
